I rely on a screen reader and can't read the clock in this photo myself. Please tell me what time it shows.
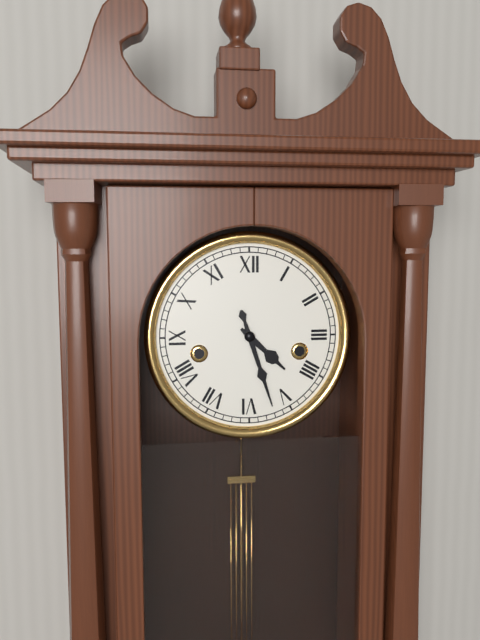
4:27
